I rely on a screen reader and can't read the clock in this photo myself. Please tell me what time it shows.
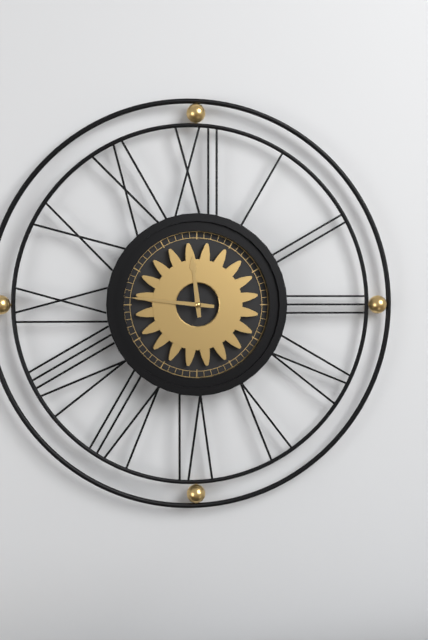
11:46
